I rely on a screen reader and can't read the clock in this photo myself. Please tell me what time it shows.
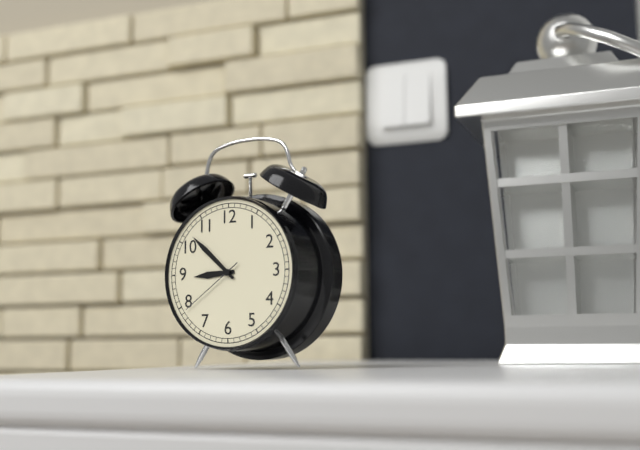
8:52:39
